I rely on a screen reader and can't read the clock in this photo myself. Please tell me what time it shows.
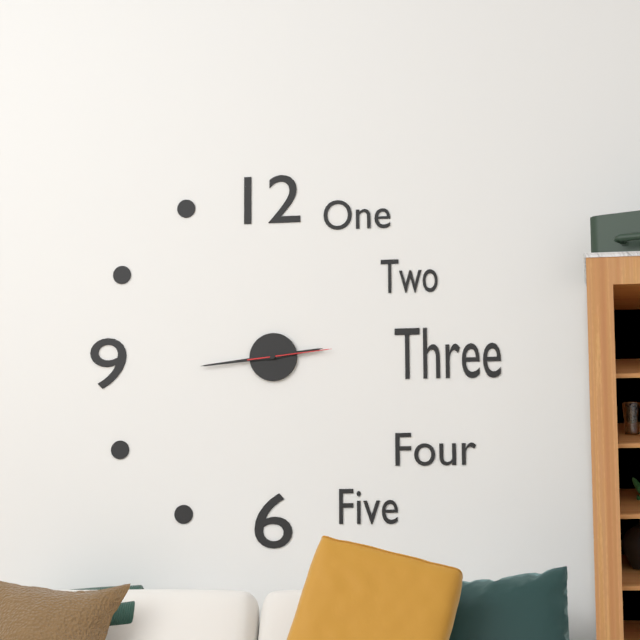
2:44:14
